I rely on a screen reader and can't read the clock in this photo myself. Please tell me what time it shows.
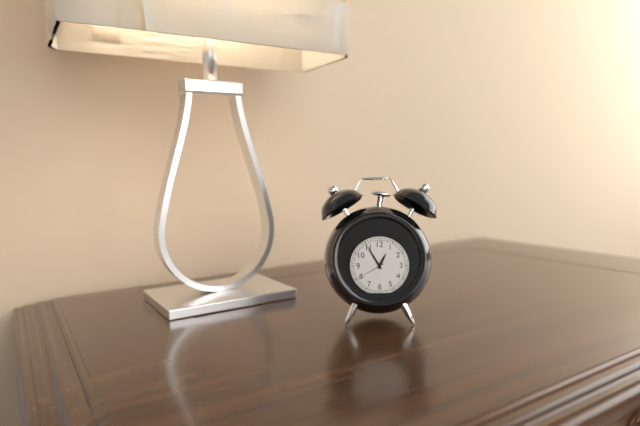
12:55
